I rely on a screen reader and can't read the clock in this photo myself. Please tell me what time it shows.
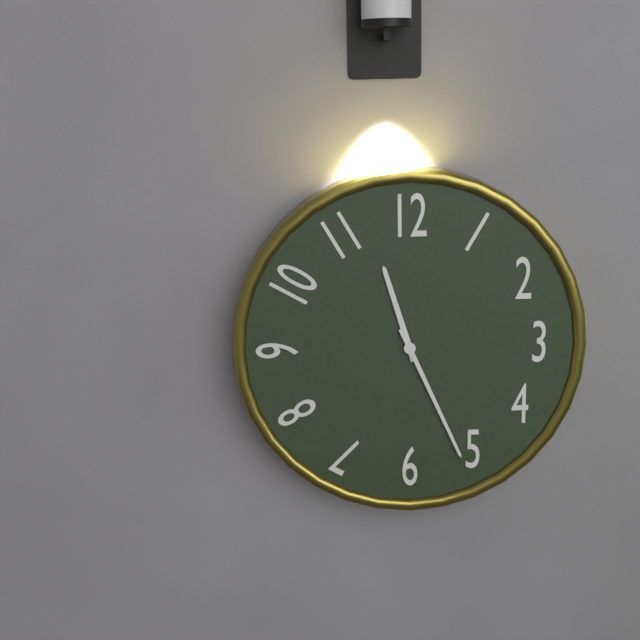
11:26
